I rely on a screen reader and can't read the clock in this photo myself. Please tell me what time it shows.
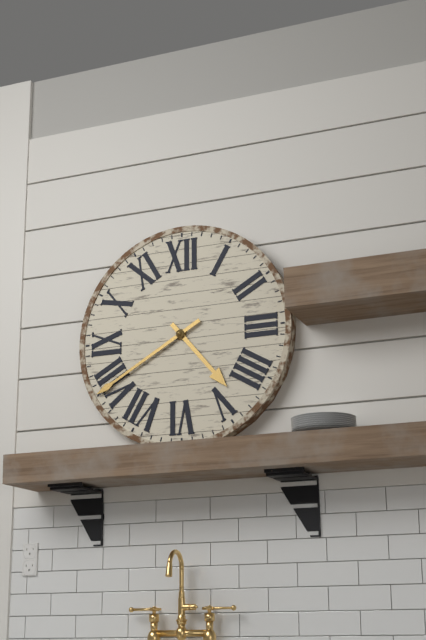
4:40
